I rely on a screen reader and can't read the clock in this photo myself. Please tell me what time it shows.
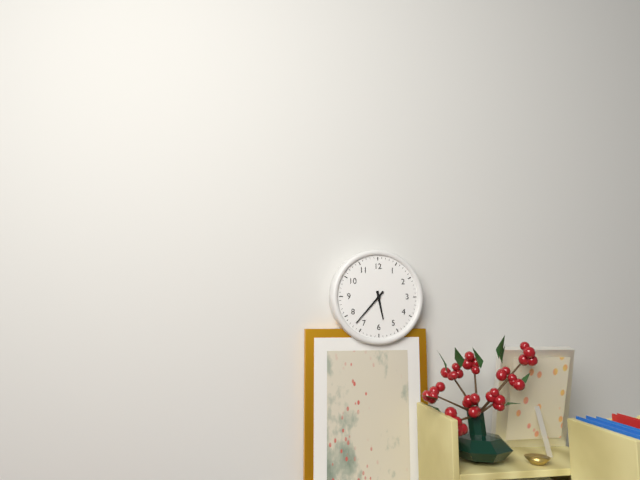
5:37
